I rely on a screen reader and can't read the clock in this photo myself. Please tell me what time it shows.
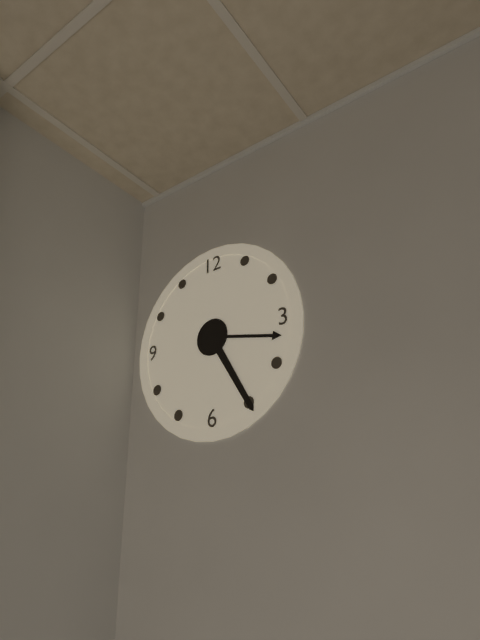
3:25
